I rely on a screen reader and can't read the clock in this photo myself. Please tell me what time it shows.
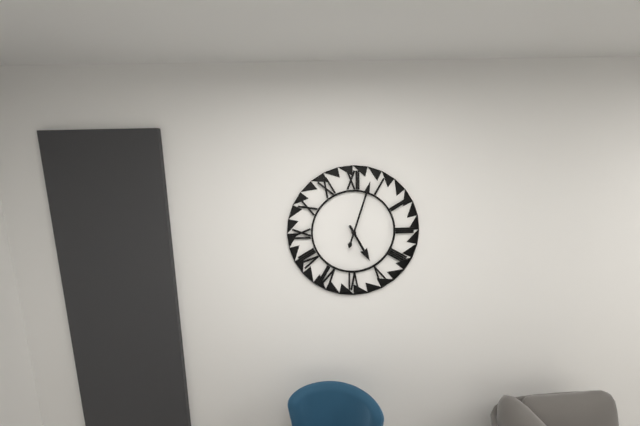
5:03
